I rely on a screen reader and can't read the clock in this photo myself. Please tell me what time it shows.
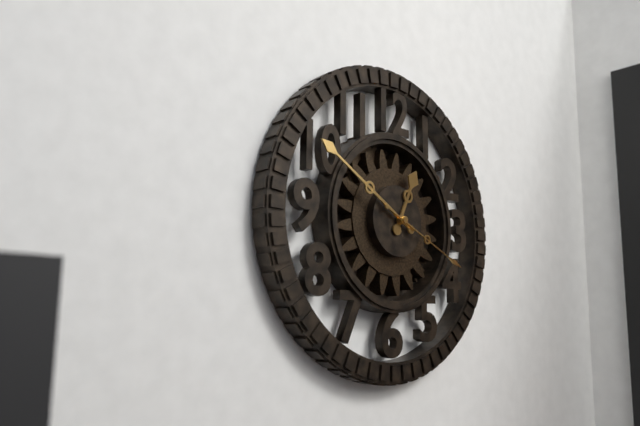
12:50:19
